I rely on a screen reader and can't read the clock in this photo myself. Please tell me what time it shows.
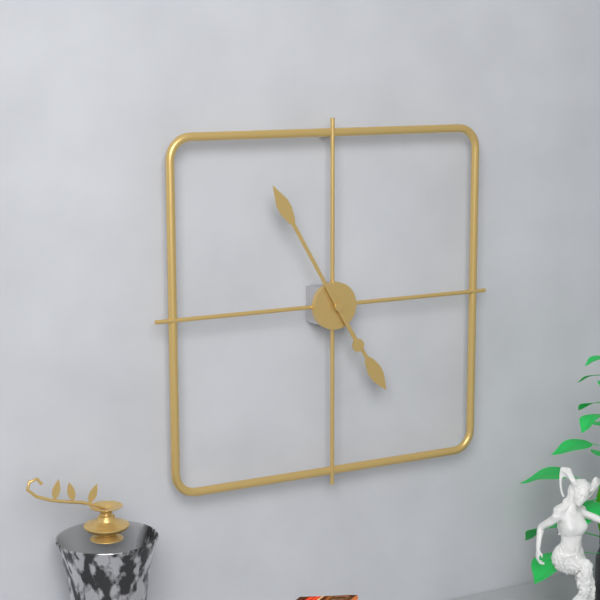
4:55
